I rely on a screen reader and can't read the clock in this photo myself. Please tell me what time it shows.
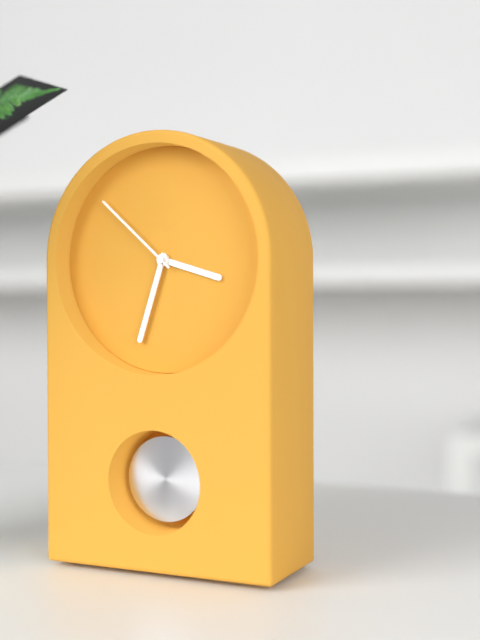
3:33:52
